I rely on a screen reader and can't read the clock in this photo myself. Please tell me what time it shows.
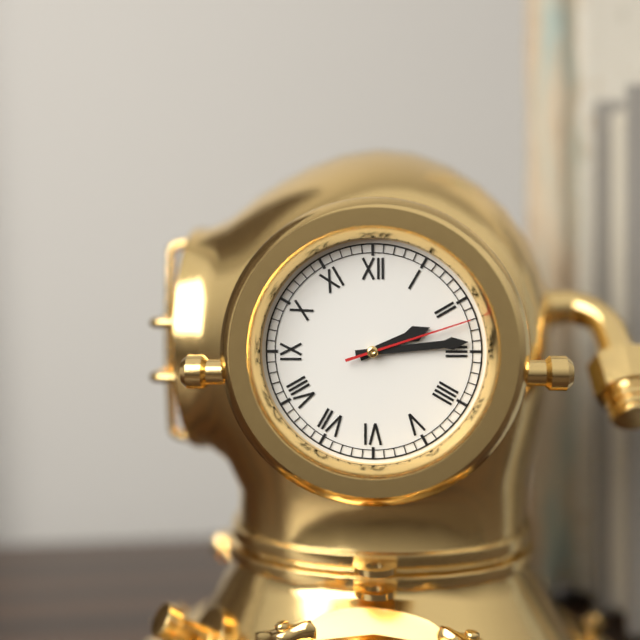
2:14:12
